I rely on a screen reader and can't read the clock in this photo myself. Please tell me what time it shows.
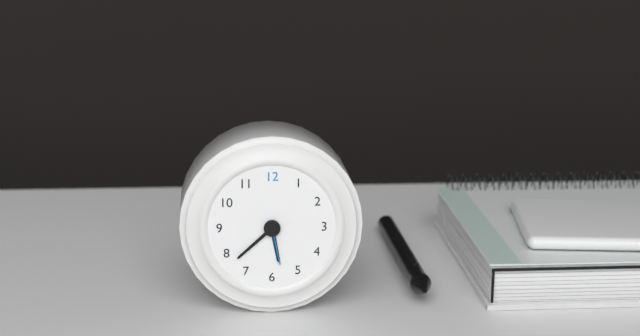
5:38
